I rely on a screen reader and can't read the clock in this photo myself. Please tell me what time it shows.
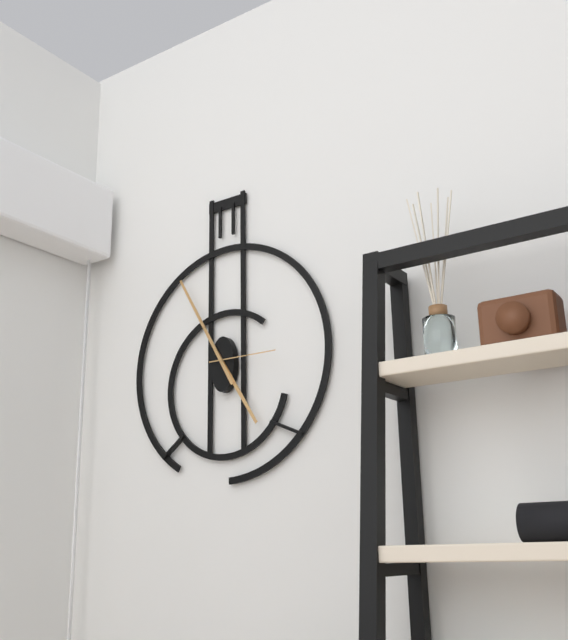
4:55:15
